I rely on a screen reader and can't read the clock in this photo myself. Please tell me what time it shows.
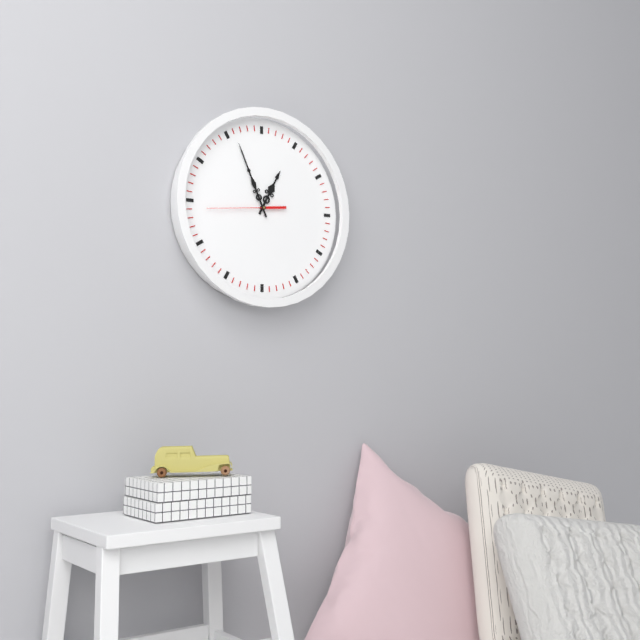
12:56:44
